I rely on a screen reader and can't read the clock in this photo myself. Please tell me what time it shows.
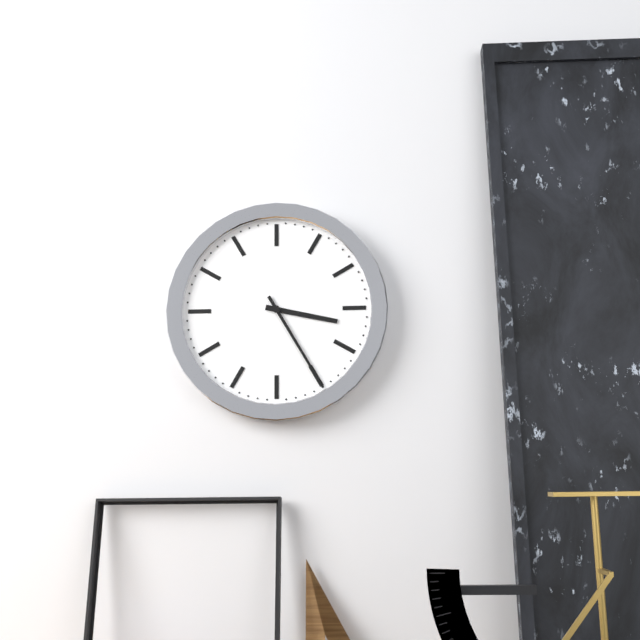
3:25
